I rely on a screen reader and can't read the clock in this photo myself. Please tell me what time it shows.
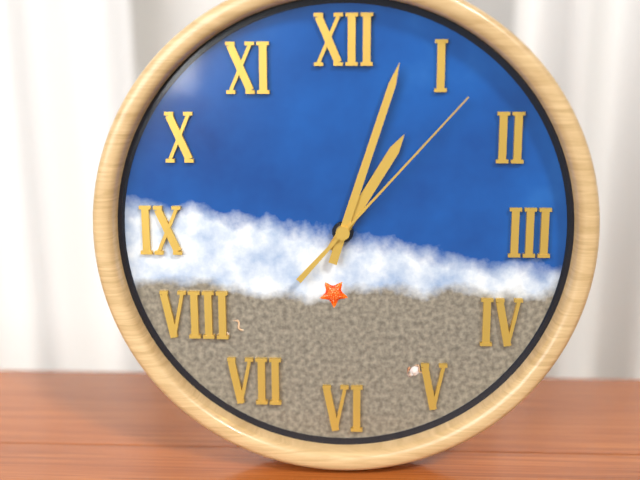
1:03:07
